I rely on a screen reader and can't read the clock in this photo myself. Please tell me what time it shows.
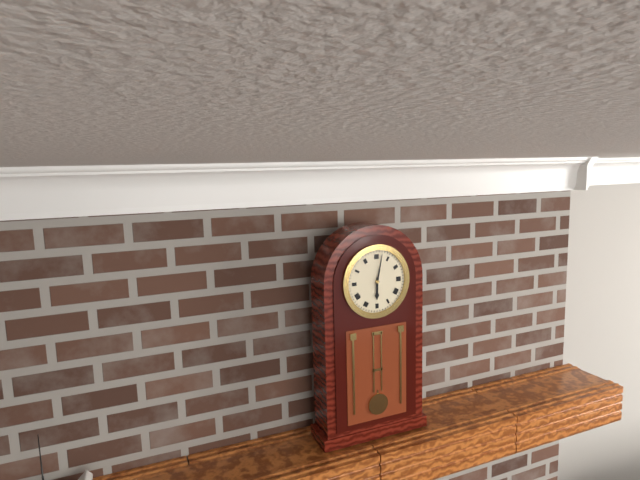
6:02
